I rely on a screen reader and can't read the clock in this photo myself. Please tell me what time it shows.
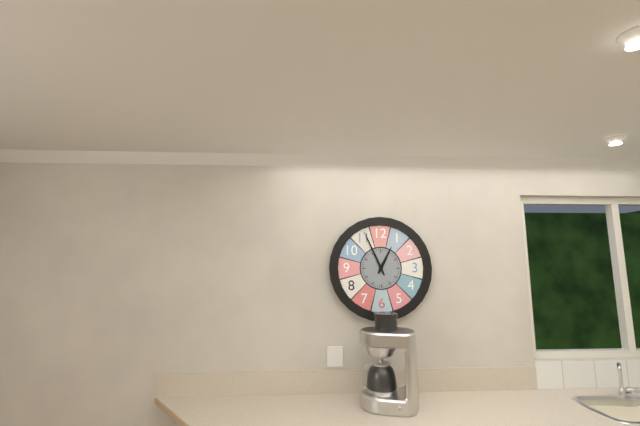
12:56
